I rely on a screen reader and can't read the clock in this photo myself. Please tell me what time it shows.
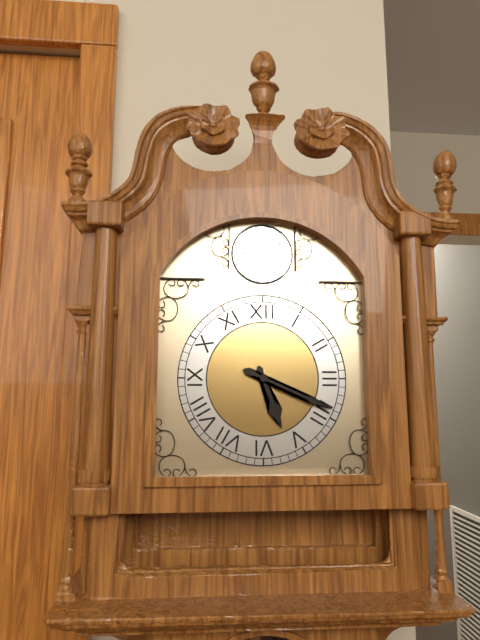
5:19
